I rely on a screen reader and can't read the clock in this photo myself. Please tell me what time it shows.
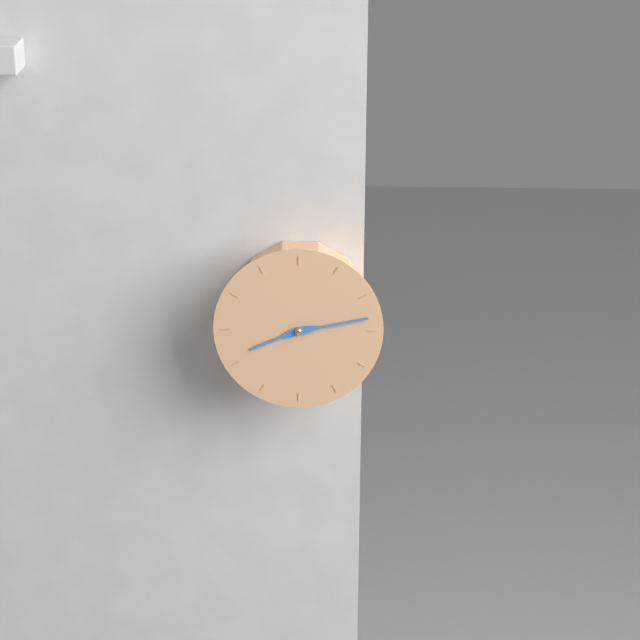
8:13
